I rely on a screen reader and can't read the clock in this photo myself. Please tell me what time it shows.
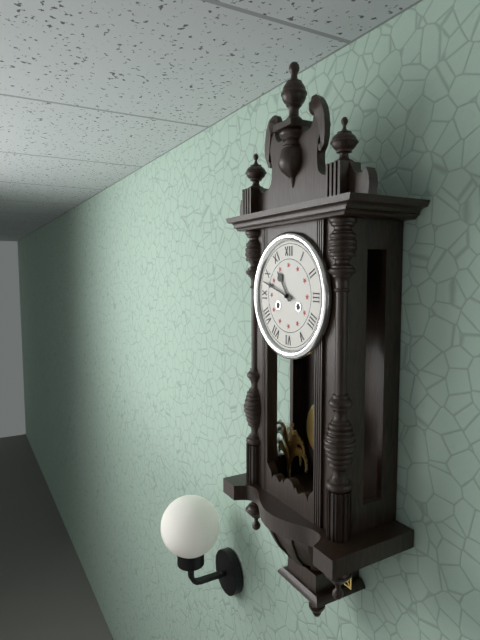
10:48
